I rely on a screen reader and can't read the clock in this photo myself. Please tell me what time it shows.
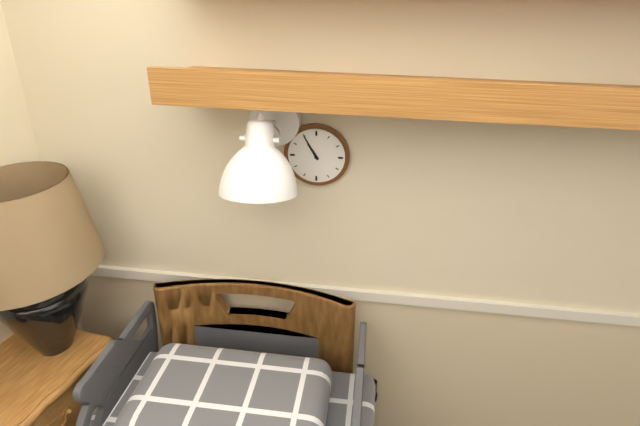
10:55
